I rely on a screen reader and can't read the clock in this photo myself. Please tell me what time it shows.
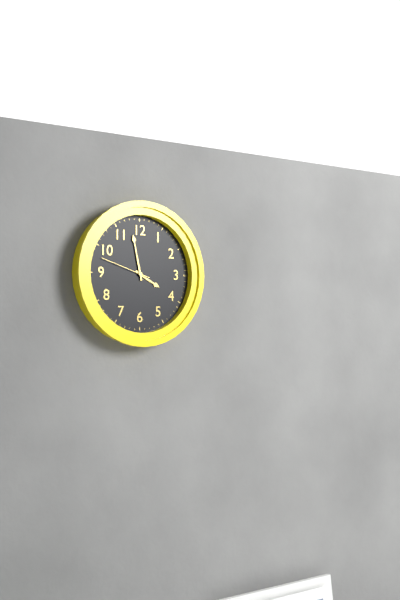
3:58:48
